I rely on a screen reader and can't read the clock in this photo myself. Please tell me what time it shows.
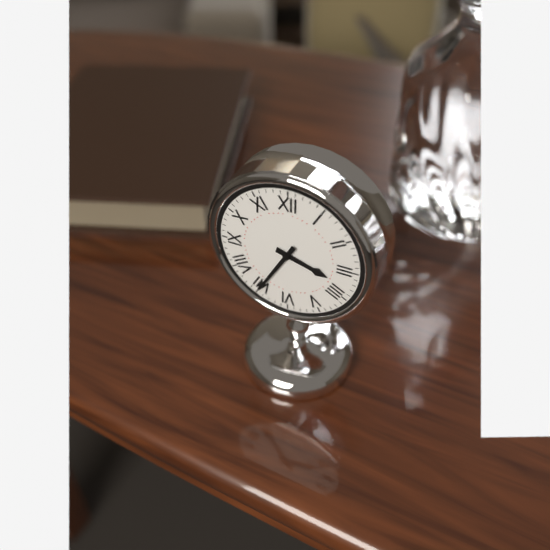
3:35
